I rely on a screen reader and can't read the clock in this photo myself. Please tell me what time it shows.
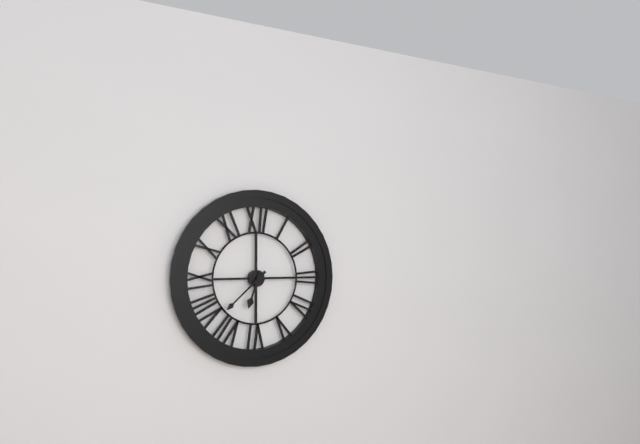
6:38
